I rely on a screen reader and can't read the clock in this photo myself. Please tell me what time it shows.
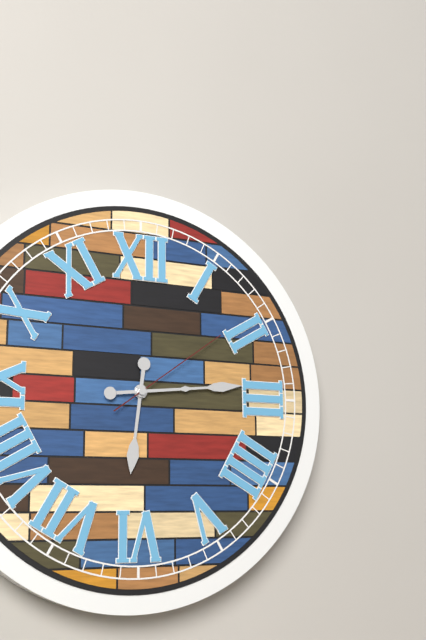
6:14:09
